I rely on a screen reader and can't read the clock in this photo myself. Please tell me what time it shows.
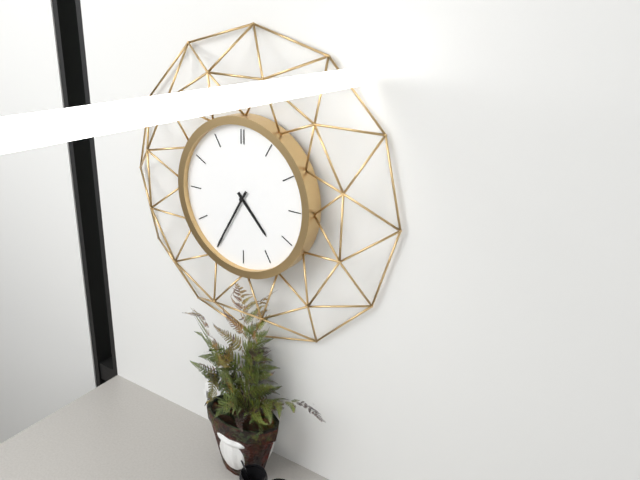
4:35
